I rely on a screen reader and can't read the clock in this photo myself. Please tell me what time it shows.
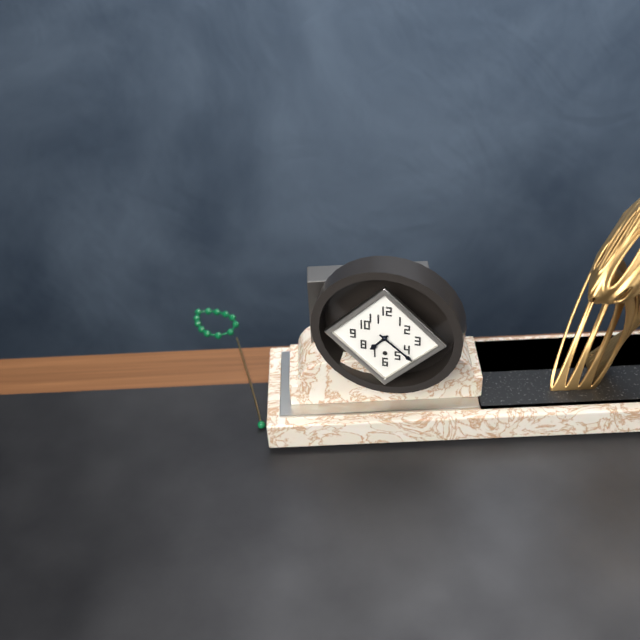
7:22
